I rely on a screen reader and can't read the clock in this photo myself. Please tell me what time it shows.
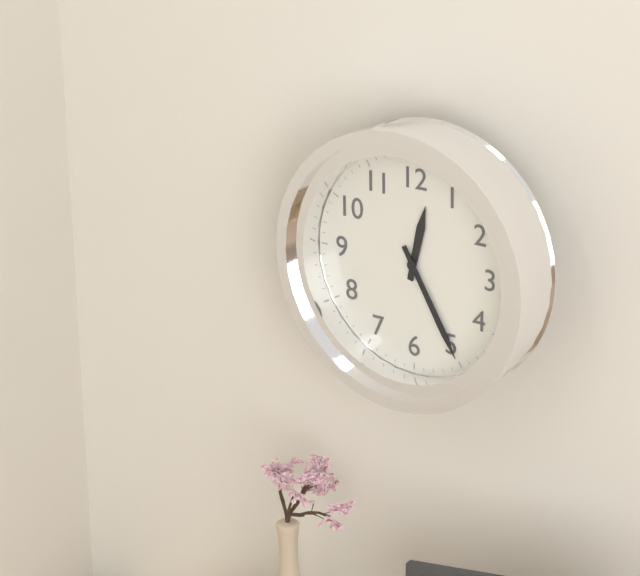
12:25
